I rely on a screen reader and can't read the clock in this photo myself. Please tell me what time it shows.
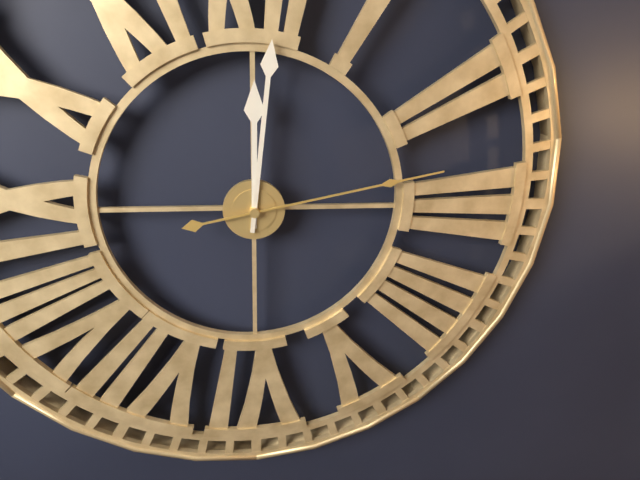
12:01:13
